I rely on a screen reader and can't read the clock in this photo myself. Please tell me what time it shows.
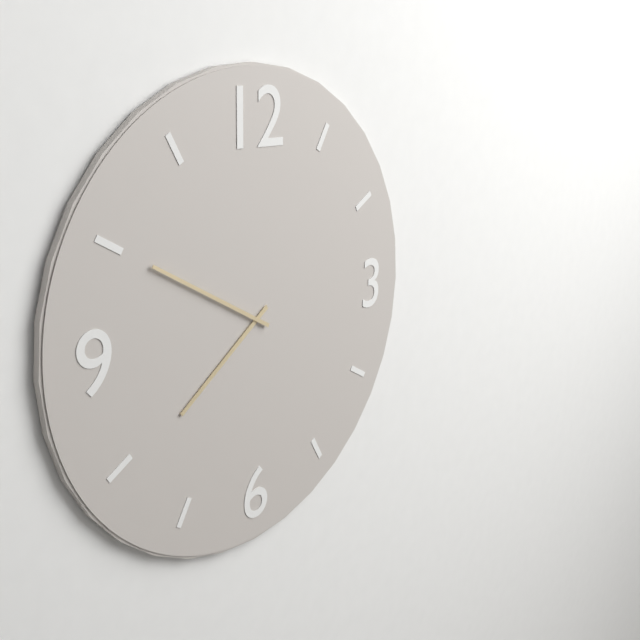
7:50
